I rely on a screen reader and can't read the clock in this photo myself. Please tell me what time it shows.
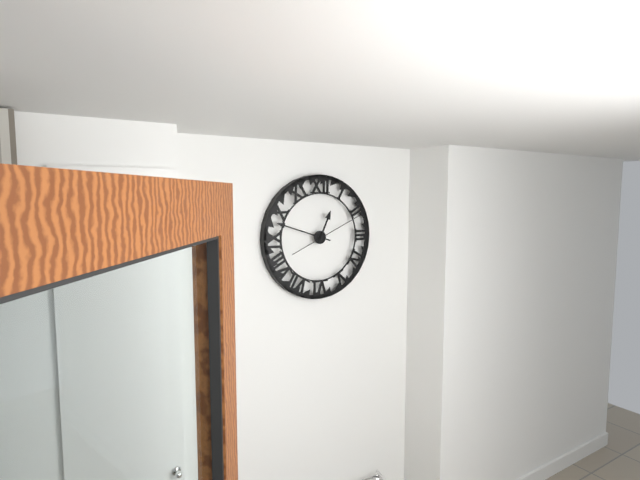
12:48:11
